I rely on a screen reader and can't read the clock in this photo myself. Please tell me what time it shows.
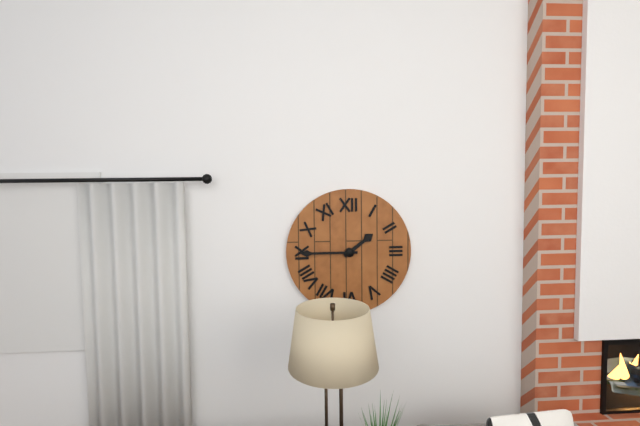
1:45
